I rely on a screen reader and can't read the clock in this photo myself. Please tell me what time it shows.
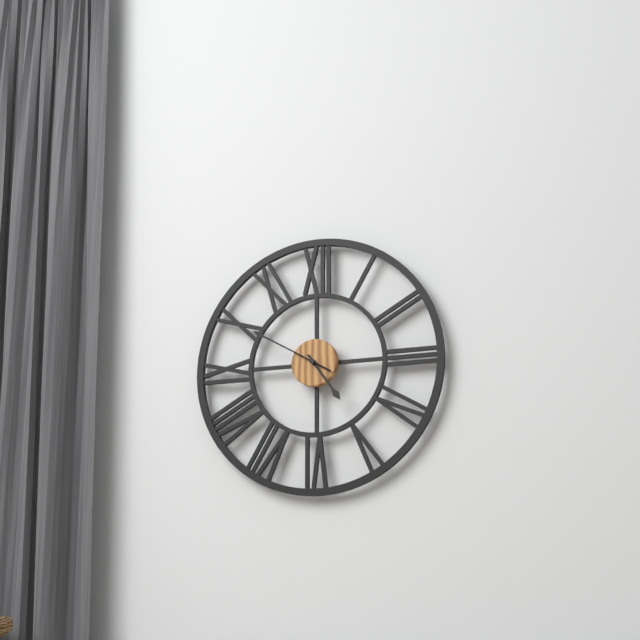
4:50
